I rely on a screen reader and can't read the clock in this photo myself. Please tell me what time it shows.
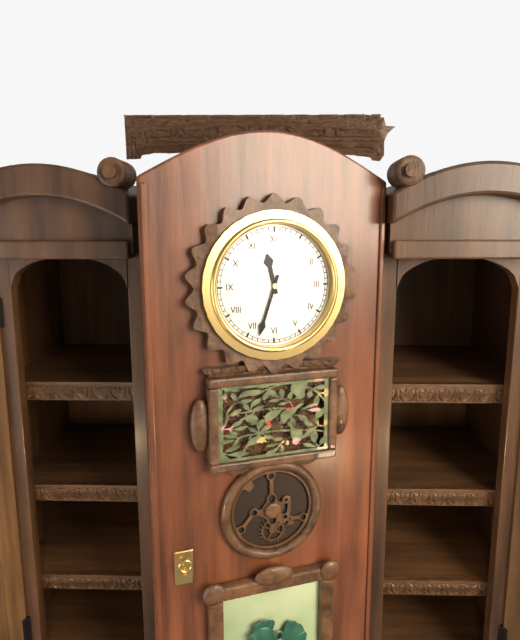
11:33
